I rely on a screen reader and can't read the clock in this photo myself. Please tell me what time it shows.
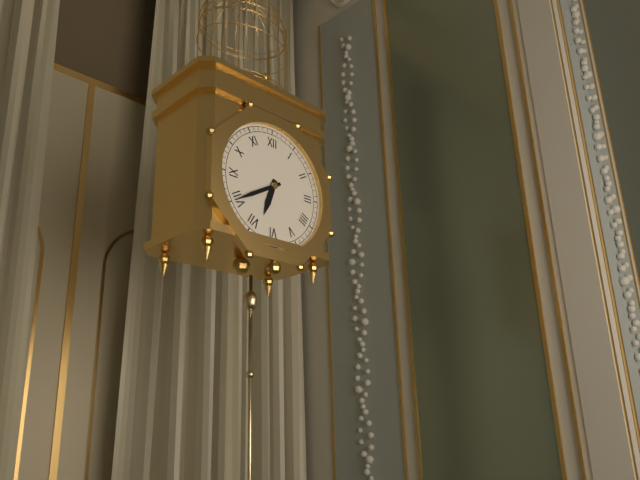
6:40
